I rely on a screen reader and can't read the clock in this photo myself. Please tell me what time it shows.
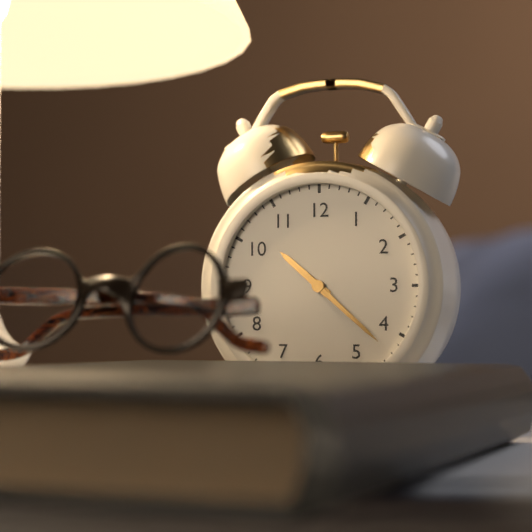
10:22
